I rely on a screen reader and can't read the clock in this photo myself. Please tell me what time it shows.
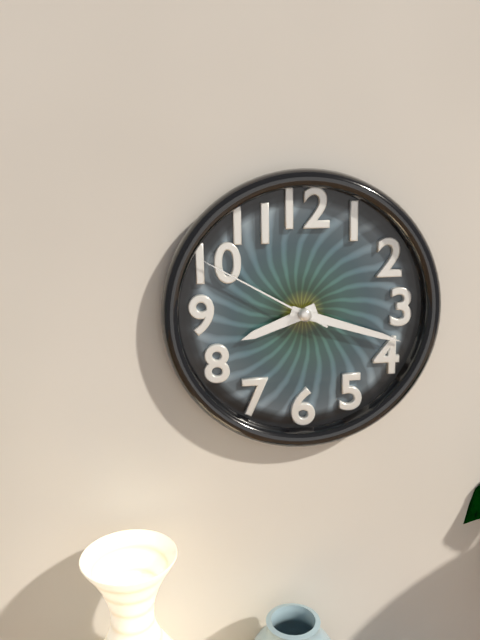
8:18:50
